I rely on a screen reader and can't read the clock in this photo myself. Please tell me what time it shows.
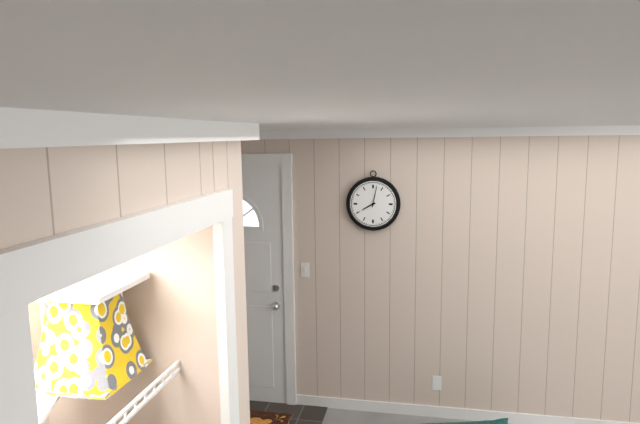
8:02
